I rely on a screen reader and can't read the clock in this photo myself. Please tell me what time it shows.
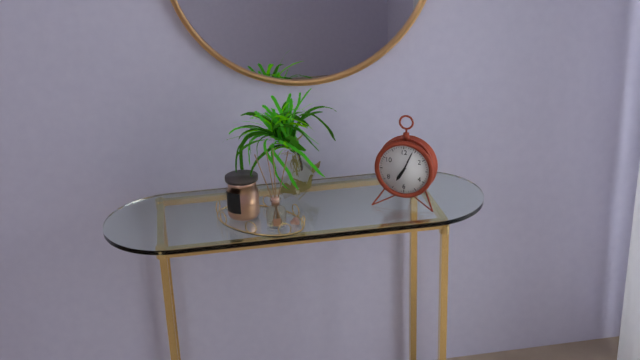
7:04
